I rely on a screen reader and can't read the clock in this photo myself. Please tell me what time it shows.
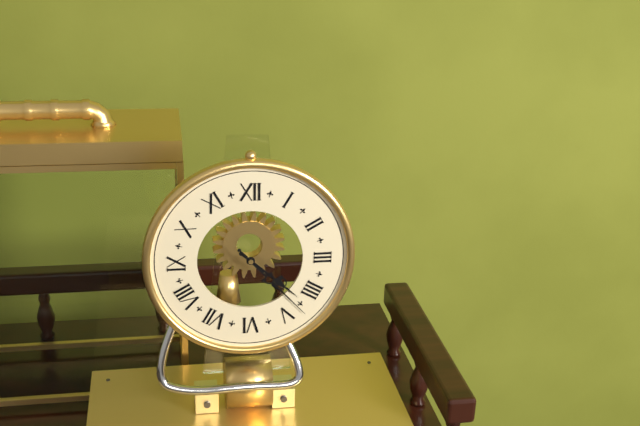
4:23
